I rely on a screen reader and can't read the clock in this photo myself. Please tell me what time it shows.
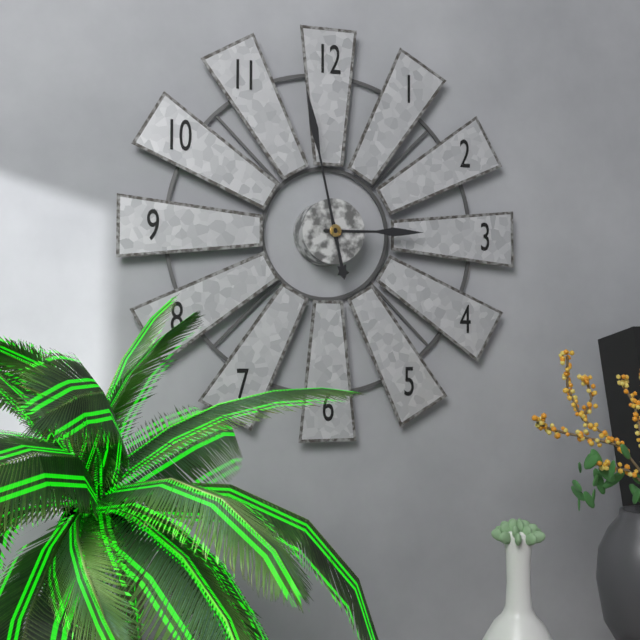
2:58
